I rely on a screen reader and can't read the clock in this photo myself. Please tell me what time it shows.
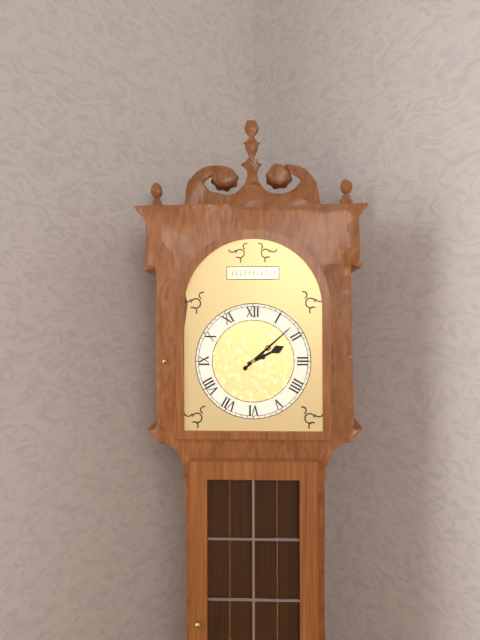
2:08
